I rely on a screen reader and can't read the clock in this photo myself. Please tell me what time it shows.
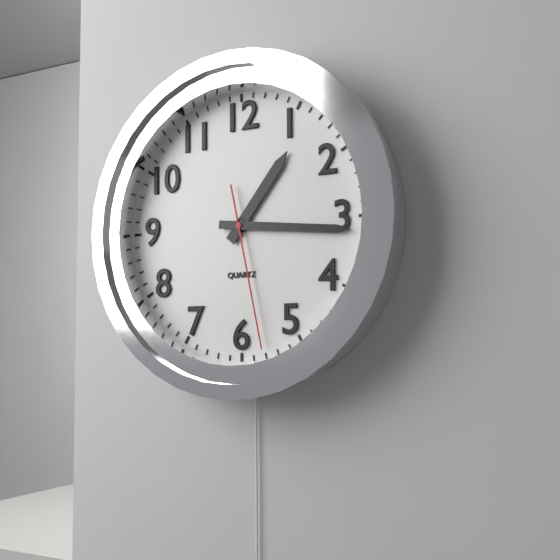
1:16:28
